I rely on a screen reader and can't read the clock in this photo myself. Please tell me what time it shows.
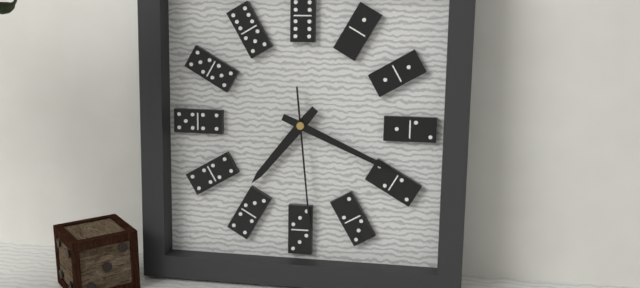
7:19:29
